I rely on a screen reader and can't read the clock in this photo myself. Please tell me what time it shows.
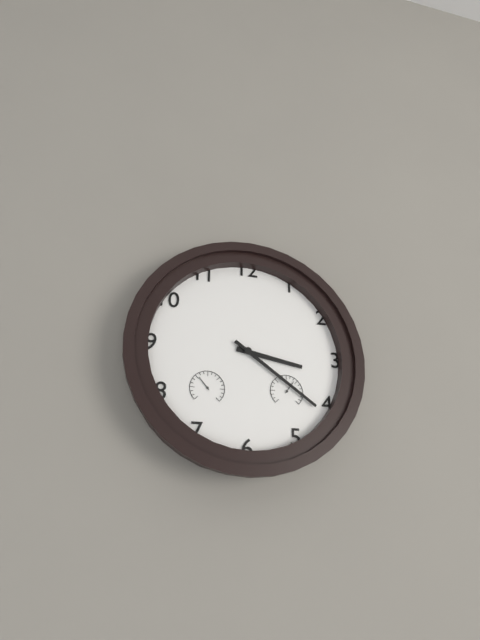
3:21
